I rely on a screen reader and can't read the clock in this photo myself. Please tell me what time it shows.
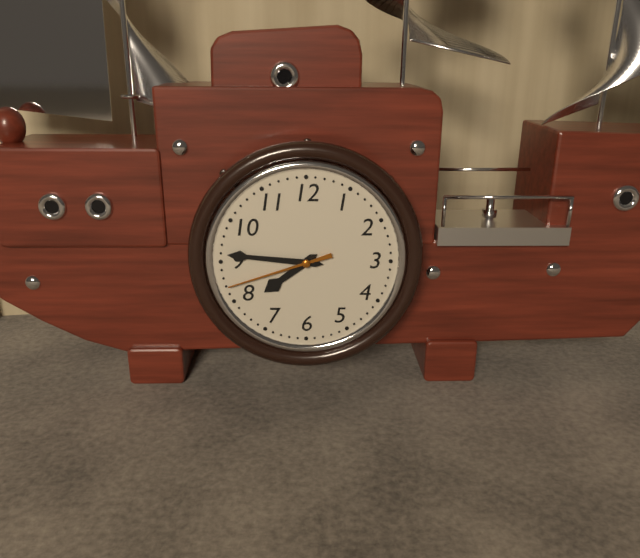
7:46:42
